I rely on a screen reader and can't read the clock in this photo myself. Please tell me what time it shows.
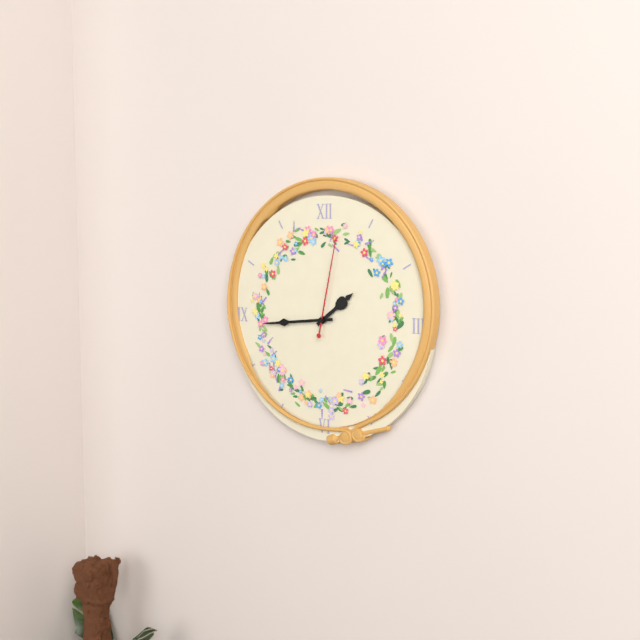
1:44:02
